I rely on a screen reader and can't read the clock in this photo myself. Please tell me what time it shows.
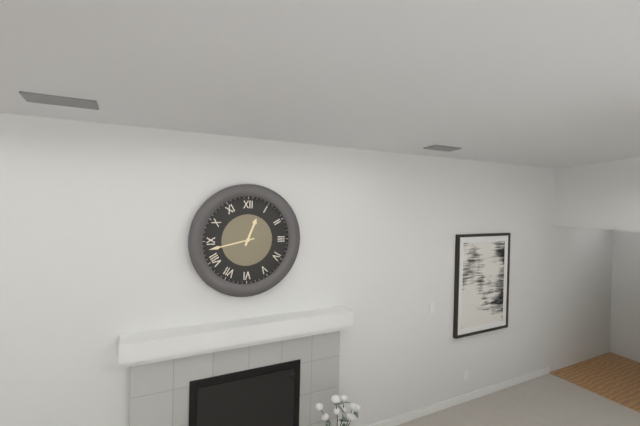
12:43
